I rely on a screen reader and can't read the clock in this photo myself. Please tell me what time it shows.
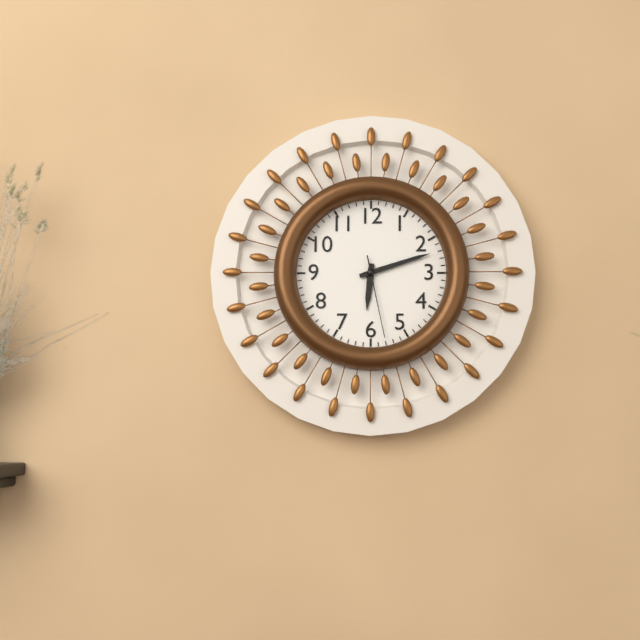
6:12:28
